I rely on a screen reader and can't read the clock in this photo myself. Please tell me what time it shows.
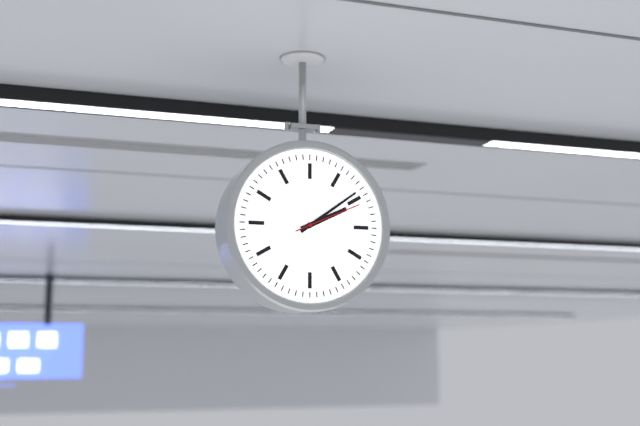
2:09:11
